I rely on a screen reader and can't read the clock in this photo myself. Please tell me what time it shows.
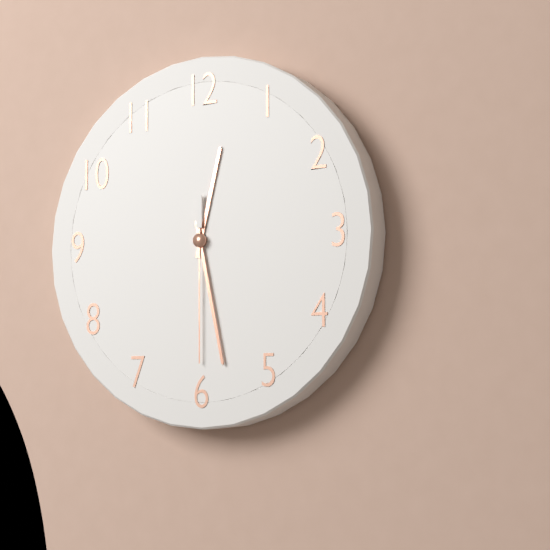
12:28:30
